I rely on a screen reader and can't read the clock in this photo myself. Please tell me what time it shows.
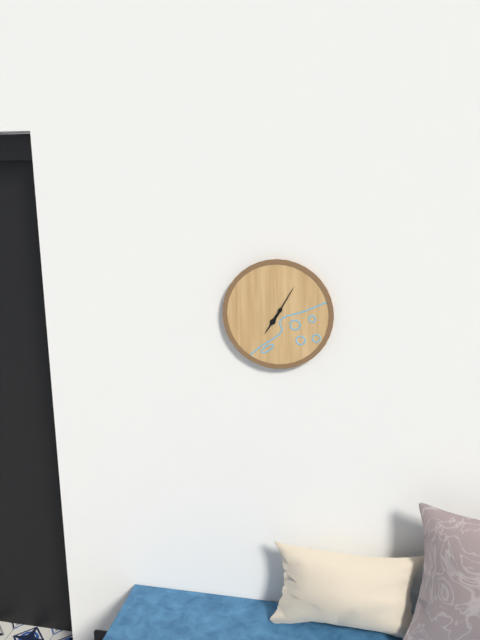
7:05
